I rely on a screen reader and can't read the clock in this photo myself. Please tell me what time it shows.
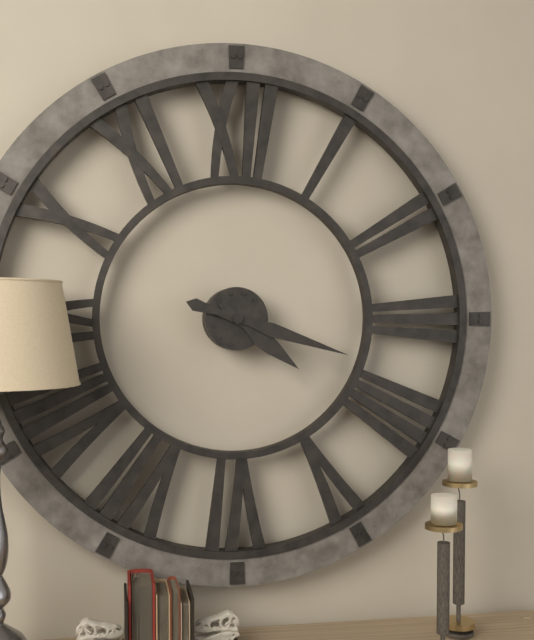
4:18
